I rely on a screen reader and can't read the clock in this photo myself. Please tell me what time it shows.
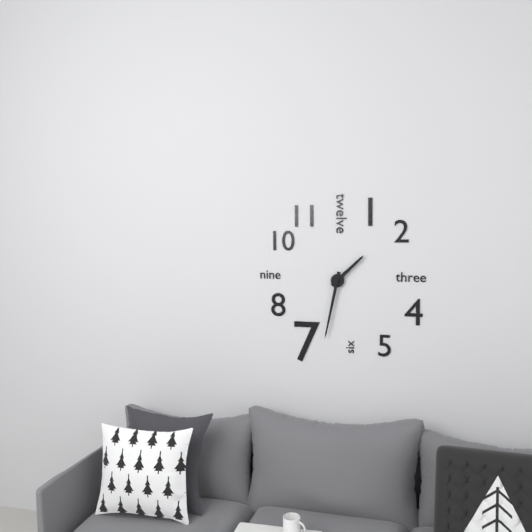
1:32
